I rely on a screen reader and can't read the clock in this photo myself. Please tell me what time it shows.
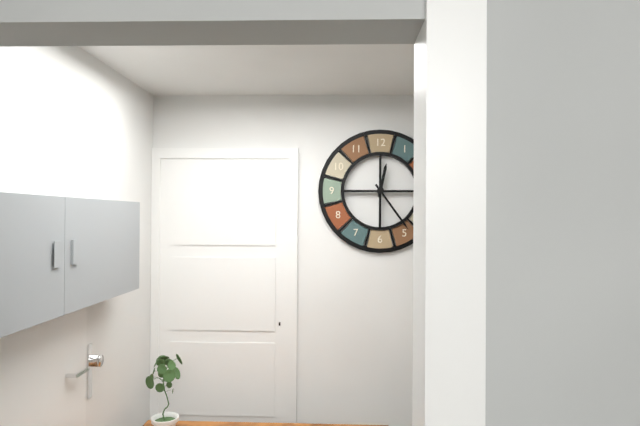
12:24
